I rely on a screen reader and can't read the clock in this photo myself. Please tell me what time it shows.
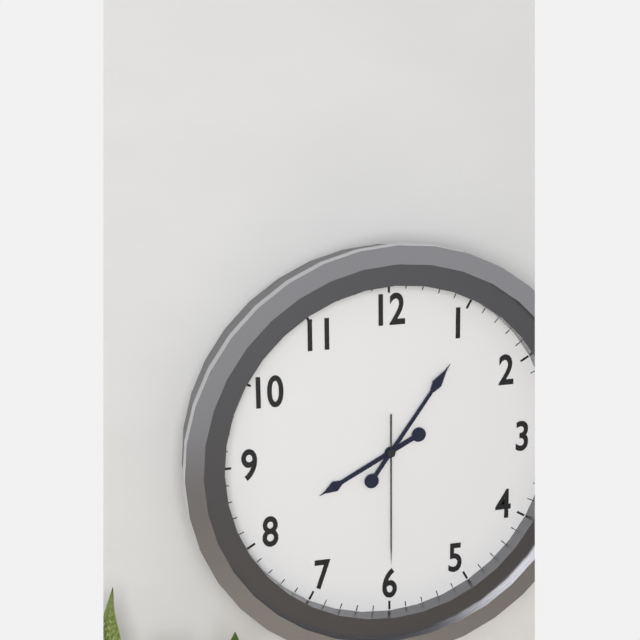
8:06:30
